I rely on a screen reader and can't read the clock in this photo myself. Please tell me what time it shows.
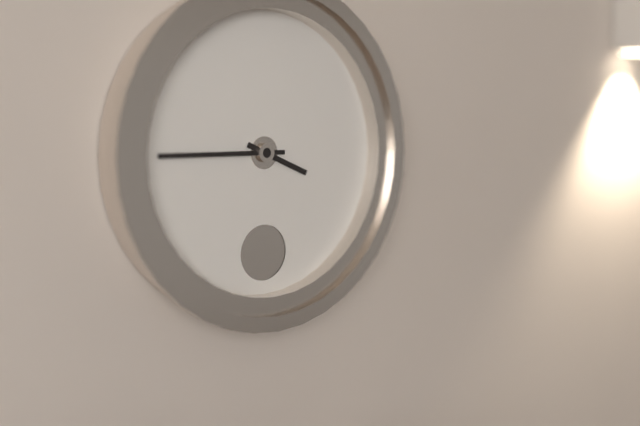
3:45
